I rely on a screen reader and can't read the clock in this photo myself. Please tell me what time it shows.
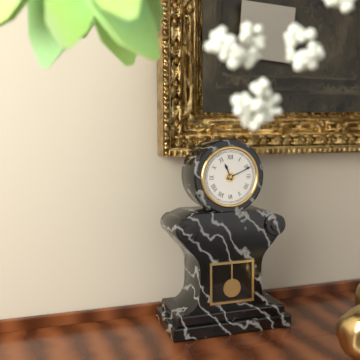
11:11
